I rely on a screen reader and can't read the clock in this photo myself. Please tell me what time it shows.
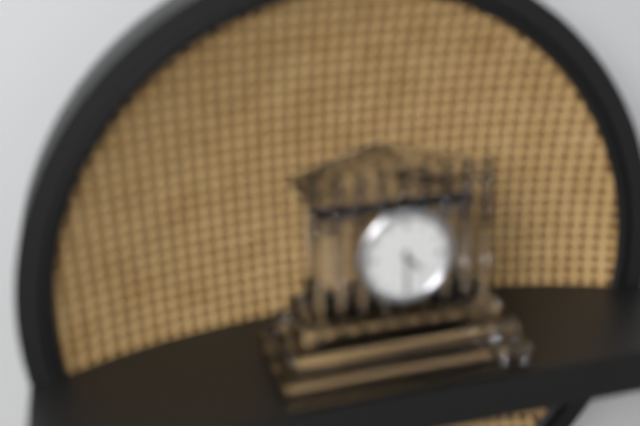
4:30
